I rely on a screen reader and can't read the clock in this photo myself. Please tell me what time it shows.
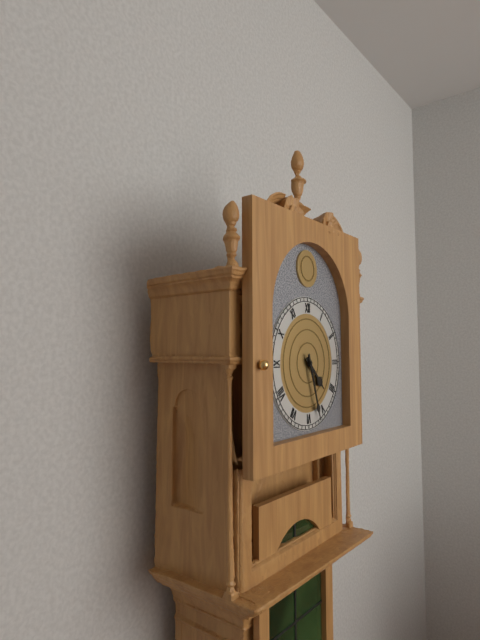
4:27
